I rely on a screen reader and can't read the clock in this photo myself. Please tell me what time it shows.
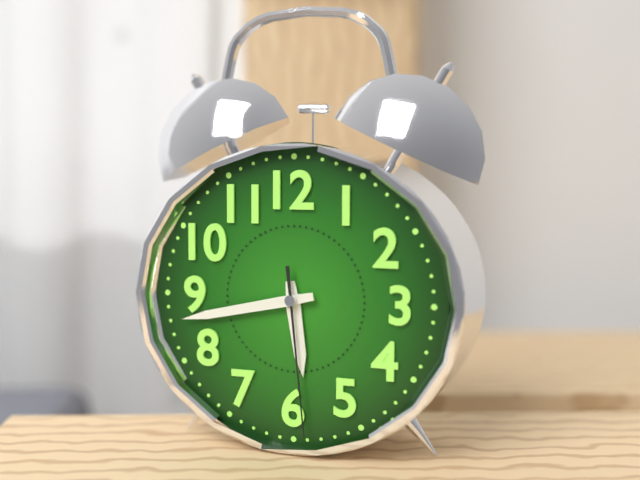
5:43:29
